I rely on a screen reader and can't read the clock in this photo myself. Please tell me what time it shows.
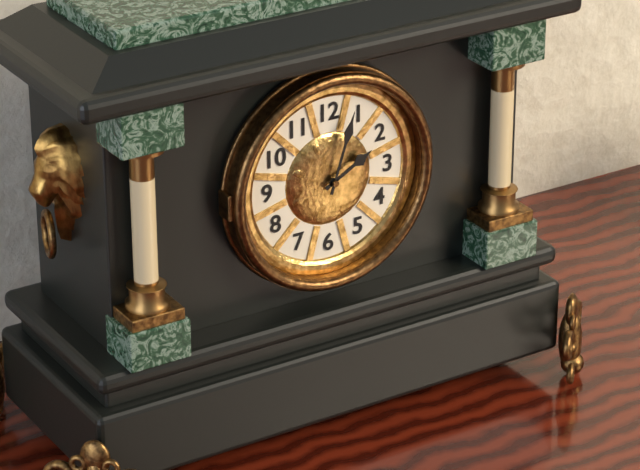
2:03
